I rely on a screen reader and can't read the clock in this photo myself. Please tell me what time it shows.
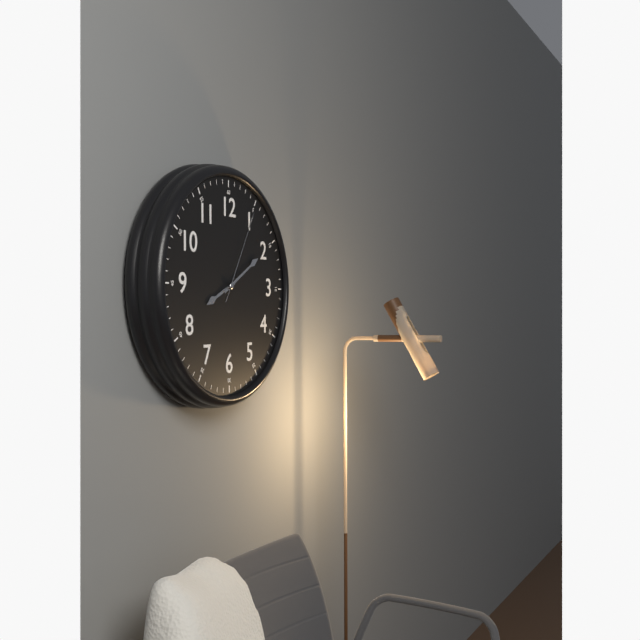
8:10:05
